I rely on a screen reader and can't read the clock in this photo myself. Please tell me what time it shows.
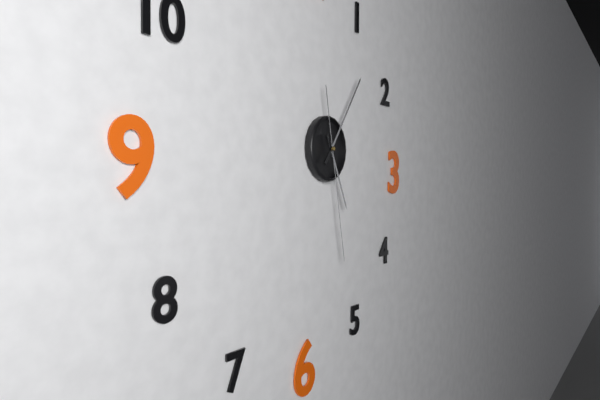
5:06:28
